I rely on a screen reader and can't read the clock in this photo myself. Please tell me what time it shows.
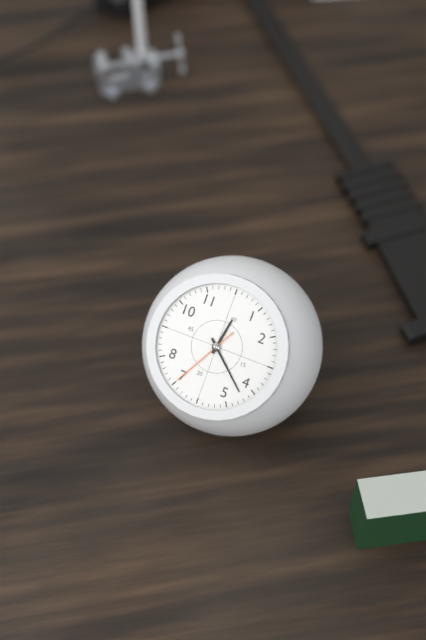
12:22:35
